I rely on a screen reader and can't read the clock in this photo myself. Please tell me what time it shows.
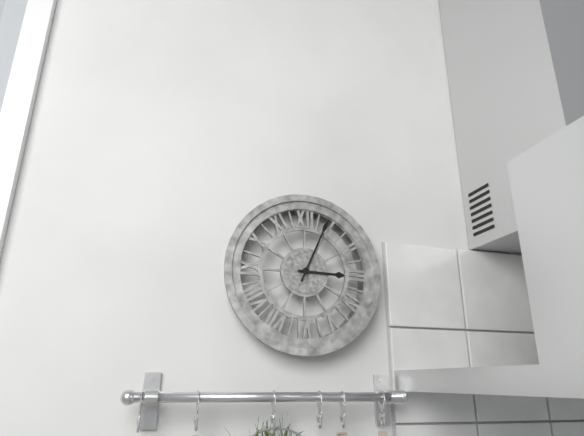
3:04
